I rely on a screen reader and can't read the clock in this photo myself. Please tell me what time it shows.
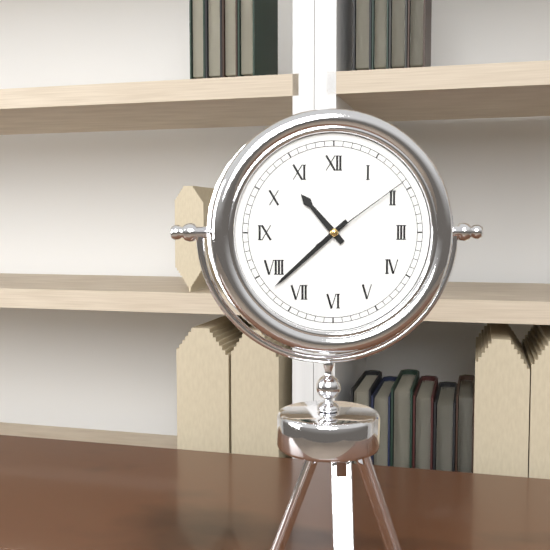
10:38:09
